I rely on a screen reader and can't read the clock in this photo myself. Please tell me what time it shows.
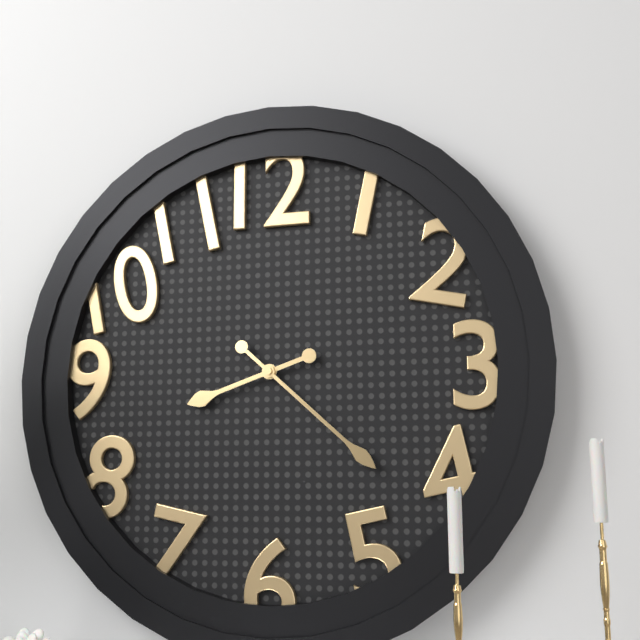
8:22
